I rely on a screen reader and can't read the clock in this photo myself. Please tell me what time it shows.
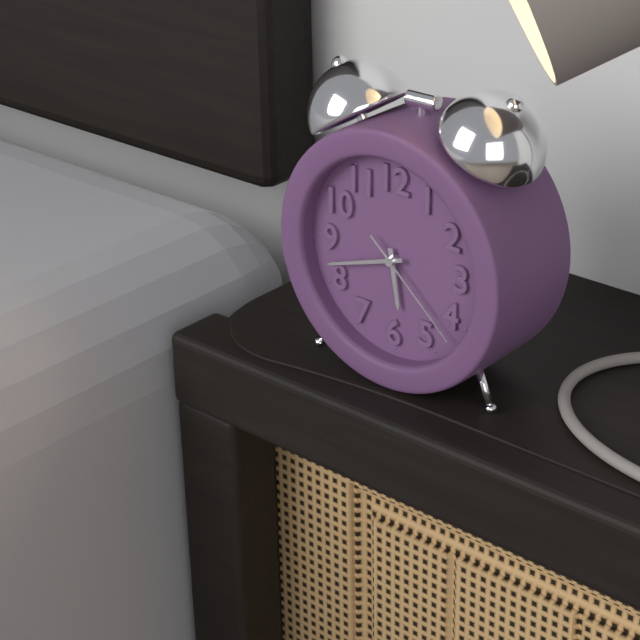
5:42:22
